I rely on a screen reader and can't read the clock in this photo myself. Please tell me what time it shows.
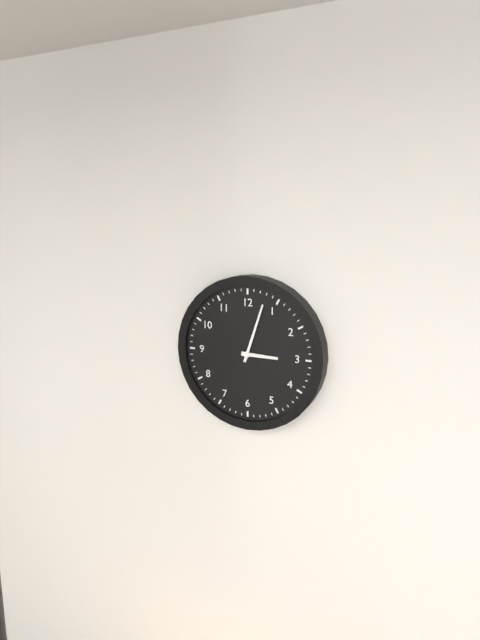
3:03
